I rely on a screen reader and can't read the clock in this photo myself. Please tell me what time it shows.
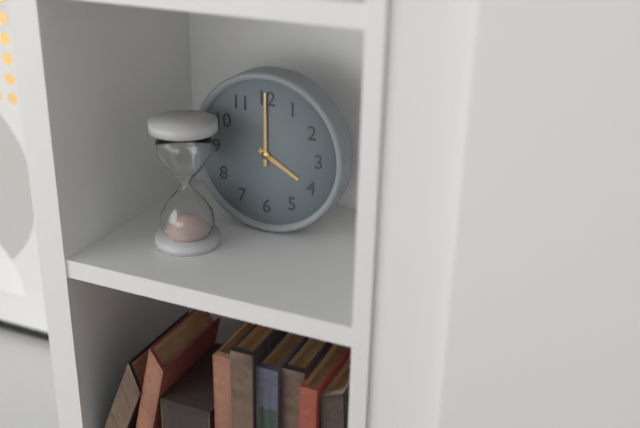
4:00
